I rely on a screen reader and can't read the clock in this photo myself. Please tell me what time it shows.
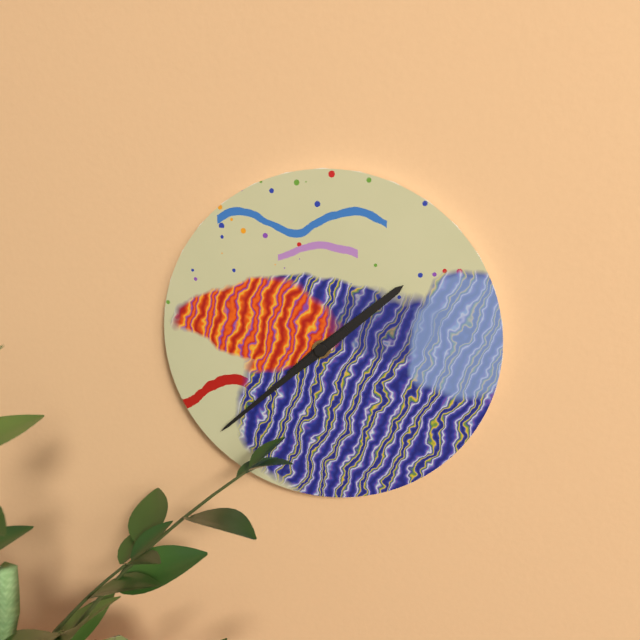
1:38
